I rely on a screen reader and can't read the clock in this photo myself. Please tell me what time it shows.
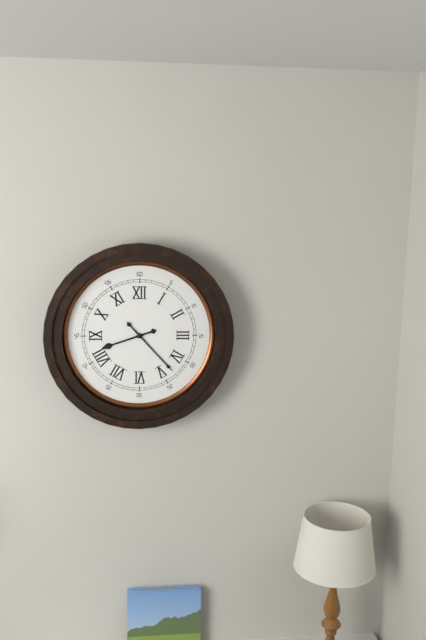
8:23
